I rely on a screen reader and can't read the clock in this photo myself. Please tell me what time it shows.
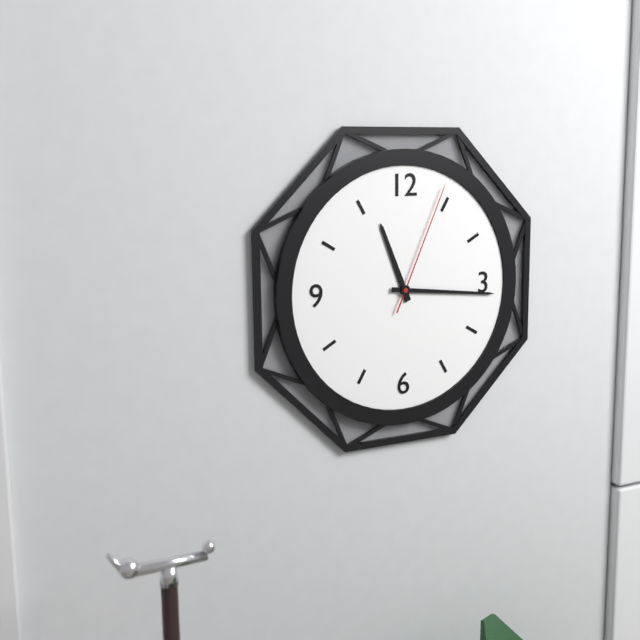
11:16:04
